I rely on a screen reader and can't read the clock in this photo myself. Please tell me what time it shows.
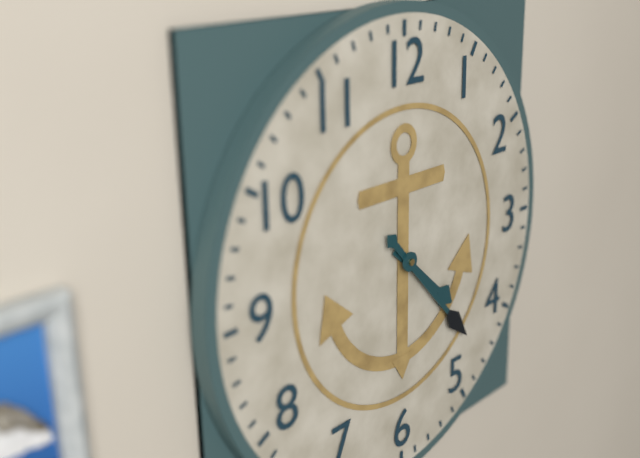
4:23
